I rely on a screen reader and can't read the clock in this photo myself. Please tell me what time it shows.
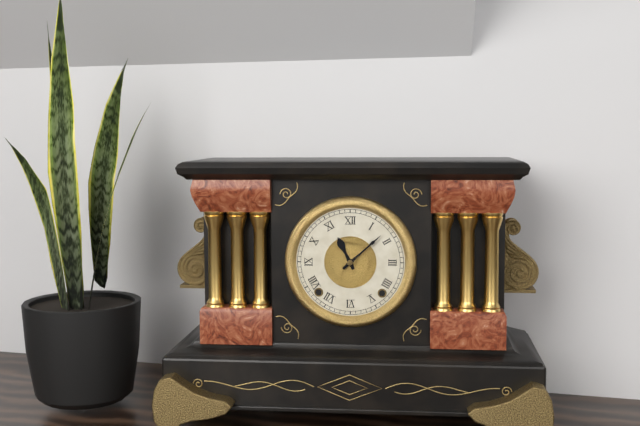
11:08
